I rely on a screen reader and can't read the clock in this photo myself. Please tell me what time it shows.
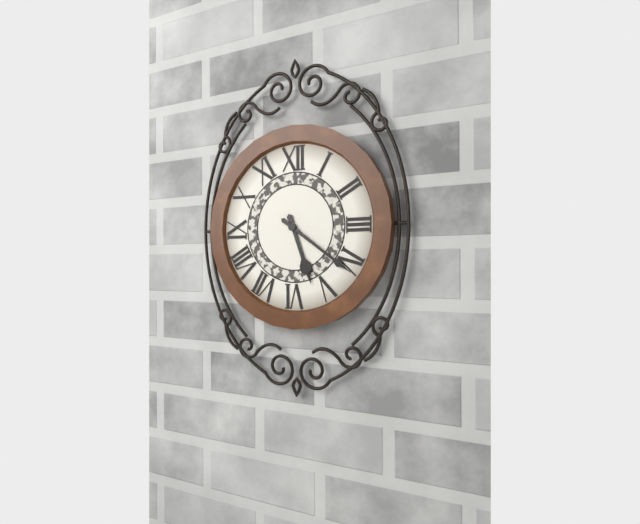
5:21
